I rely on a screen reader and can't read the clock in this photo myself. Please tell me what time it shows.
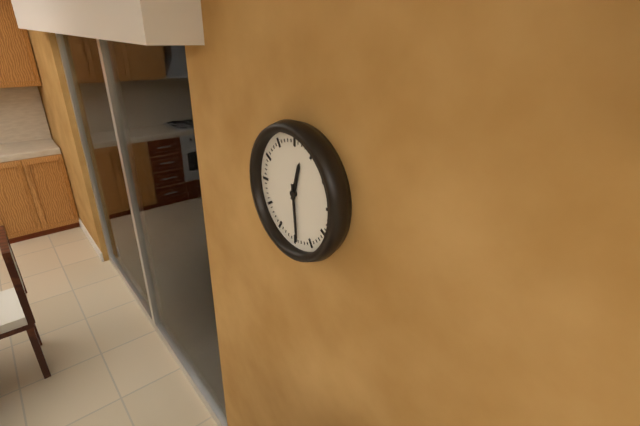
12:29
